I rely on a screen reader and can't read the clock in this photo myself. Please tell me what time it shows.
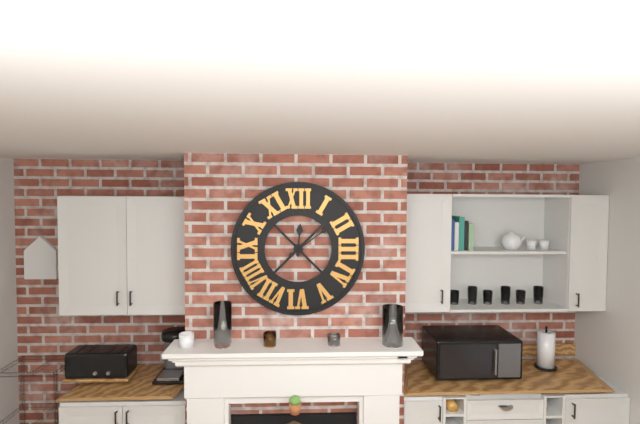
12:09
